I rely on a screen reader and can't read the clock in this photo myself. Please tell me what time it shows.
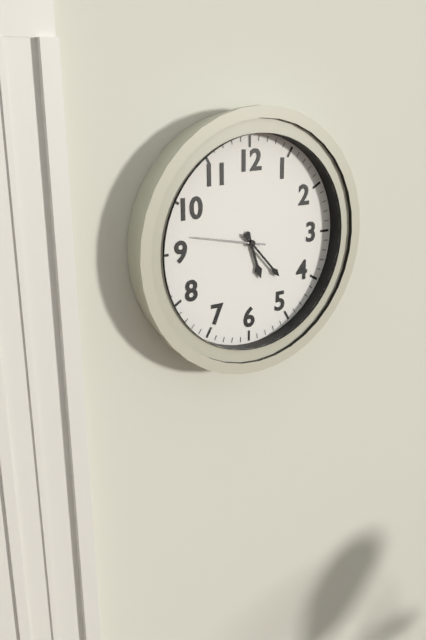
5:23:47
